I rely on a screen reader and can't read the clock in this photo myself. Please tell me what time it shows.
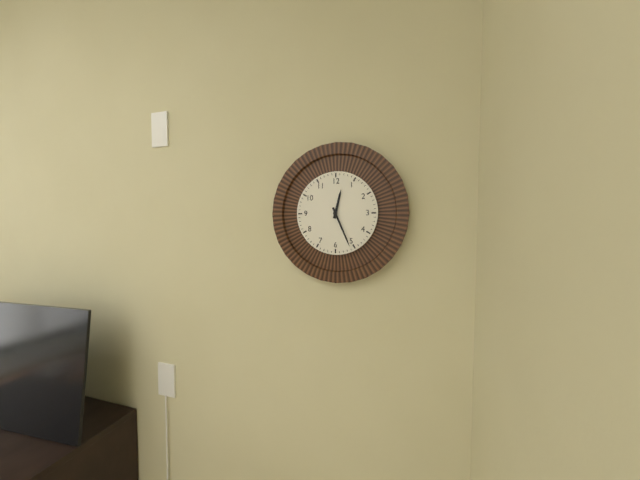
12:26
